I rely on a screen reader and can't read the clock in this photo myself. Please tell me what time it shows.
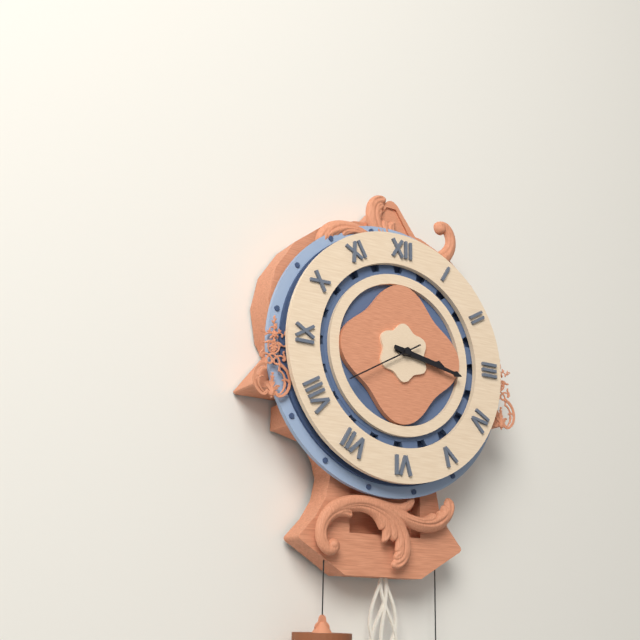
3:17:40
